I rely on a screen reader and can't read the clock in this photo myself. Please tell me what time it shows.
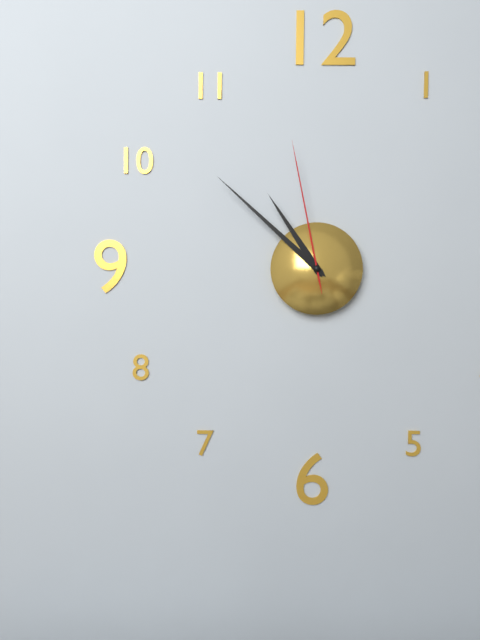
10:52:58
